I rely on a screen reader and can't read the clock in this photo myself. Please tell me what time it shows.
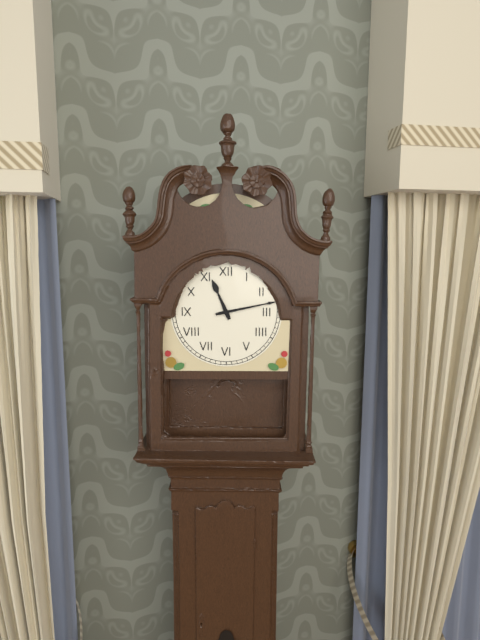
11:13
